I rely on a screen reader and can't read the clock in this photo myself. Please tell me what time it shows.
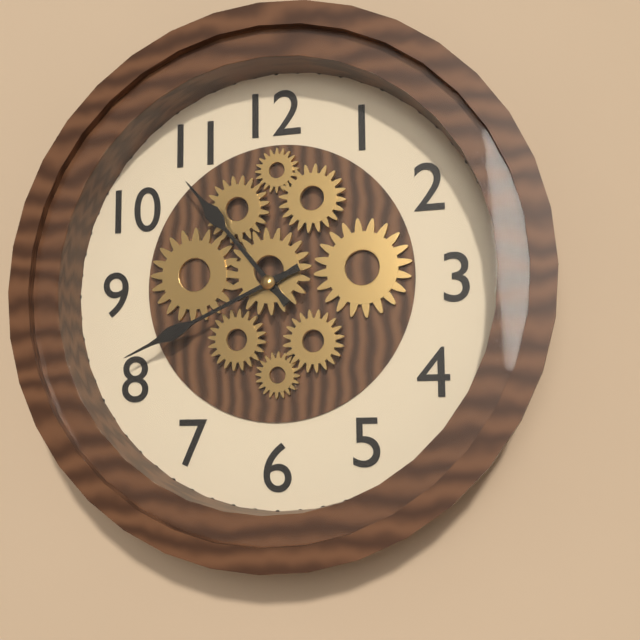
10:41
